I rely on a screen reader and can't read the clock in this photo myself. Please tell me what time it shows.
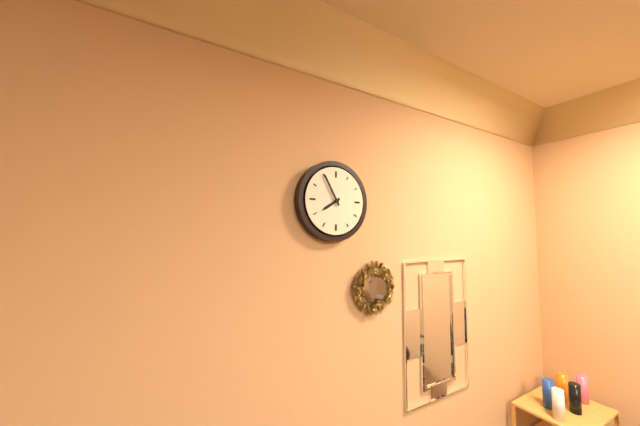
7:55
